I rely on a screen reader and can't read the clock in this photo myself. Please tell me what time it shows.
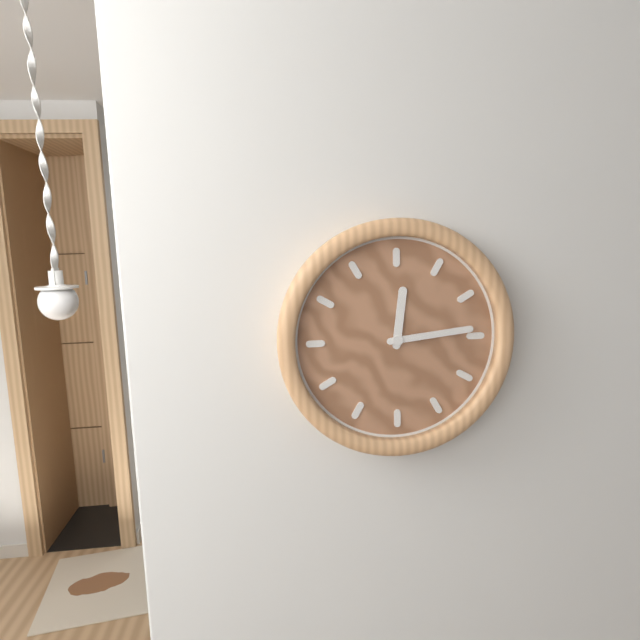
12:14
